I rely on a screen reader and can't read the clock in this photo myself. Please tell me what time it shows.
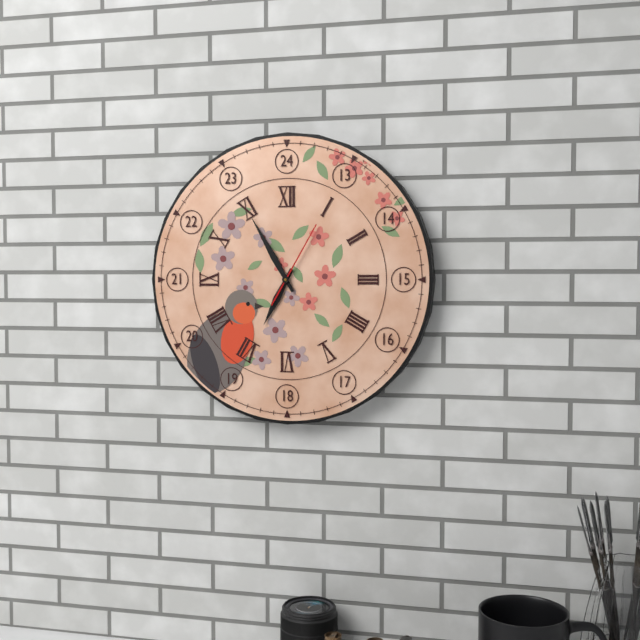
6:55:05
